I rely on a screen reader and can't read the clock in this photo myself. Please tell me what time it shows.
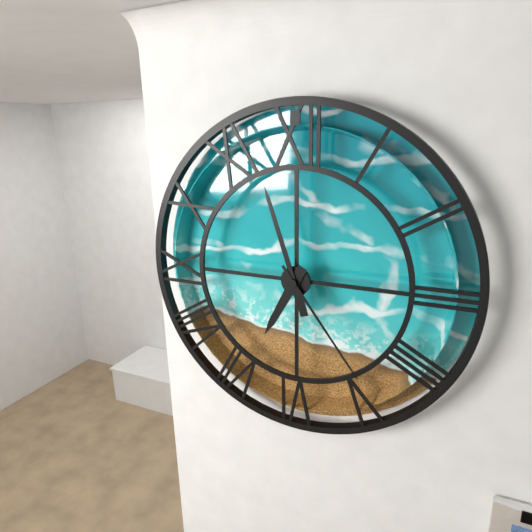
6:57:24
